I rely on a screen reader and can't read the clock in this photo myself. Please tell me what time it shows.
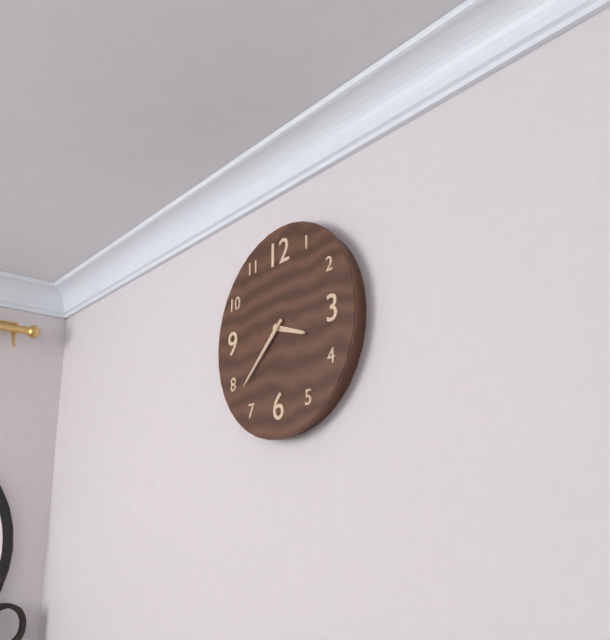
3:38
